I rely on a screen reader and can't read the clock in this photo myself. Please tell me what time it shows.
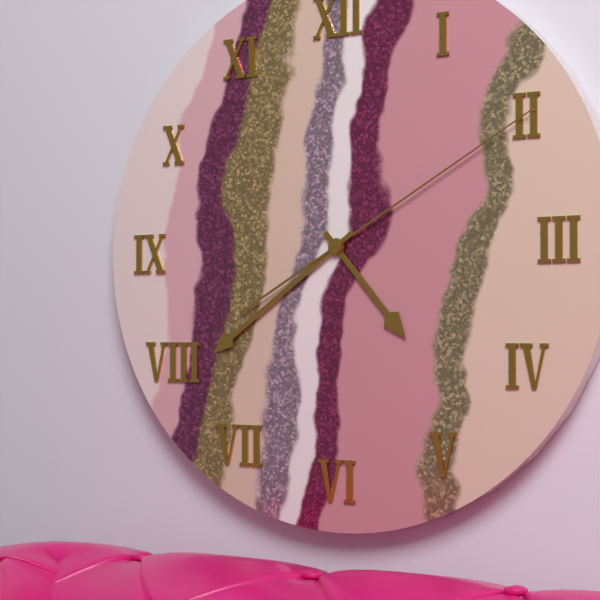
4:39:10
